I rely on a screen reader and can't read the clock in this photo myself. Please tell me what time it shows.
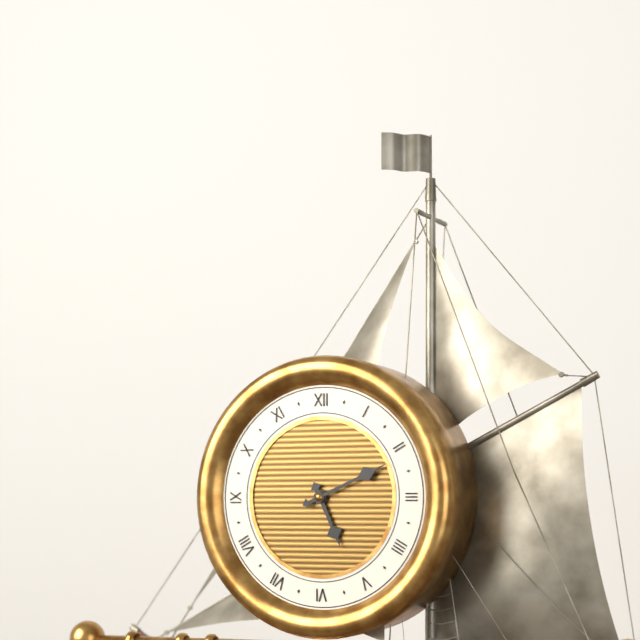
5:11
